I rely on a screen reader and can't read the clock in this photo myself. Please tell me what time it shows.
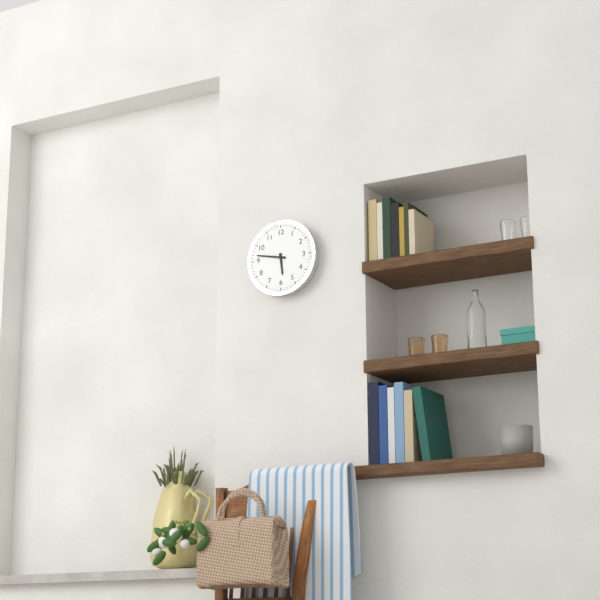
5:47
